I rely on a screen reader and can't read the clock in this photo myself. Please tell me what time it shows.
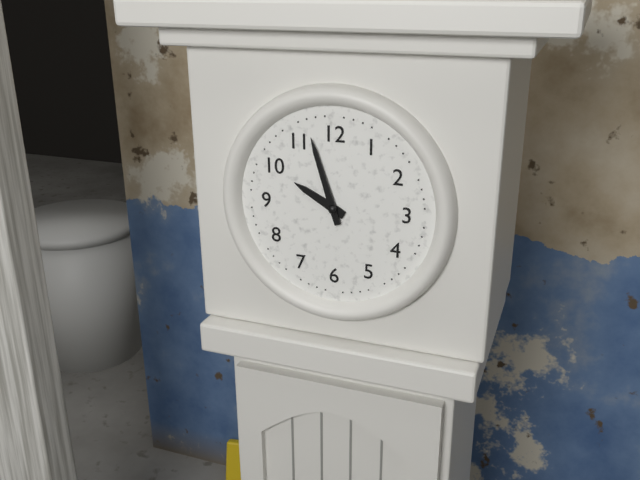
9:57
